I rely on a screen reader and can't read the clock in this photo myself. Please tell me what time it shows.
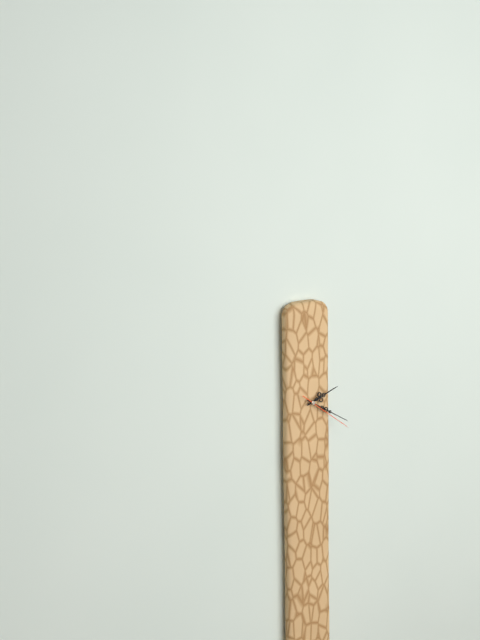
2:20:21
